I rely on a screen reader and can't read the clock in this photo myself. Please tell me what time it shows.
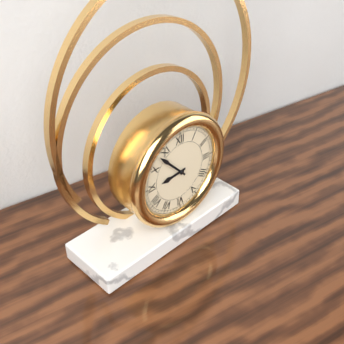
8:53
